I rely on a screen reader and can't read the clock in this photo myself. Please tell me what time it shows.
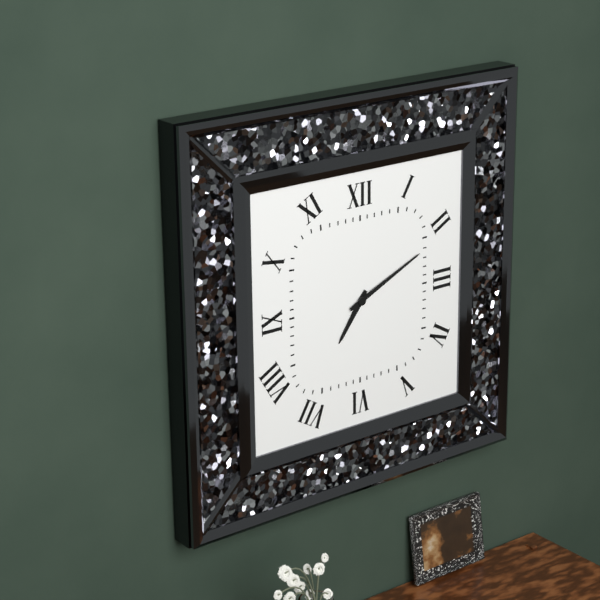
7:11
